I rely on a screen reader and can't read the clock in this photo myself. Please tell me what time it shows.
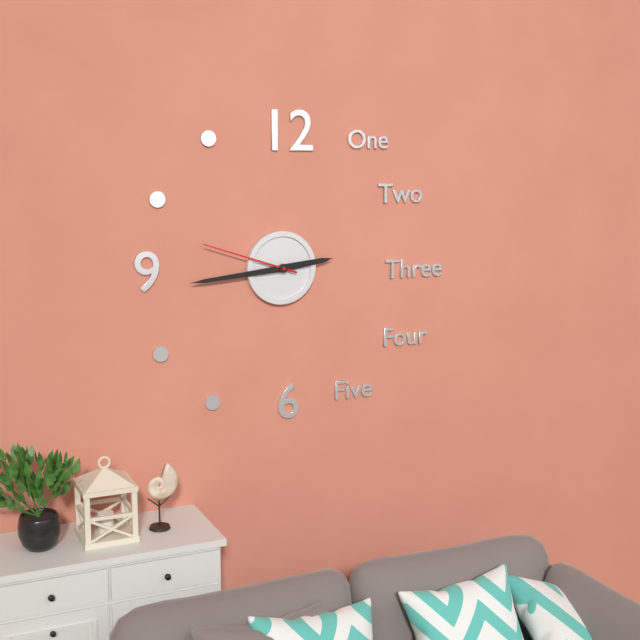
2:44:48
